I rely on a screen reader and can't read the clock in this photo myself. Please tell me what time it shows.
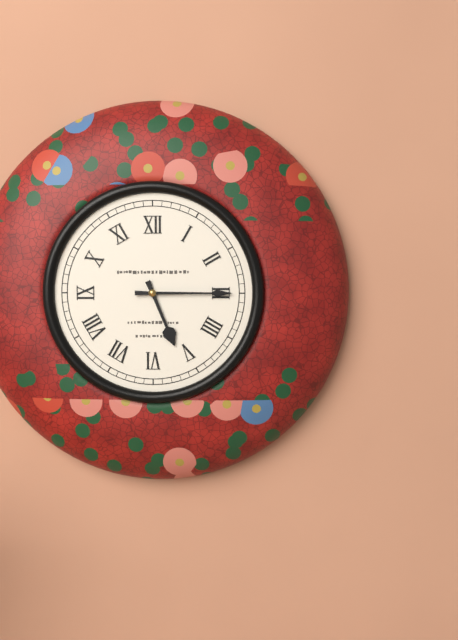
5:15
